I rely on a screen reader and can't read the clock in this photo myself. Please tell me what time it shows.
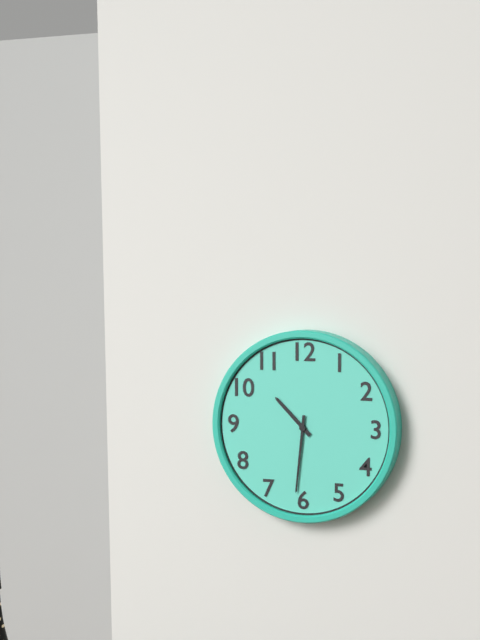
10:31
